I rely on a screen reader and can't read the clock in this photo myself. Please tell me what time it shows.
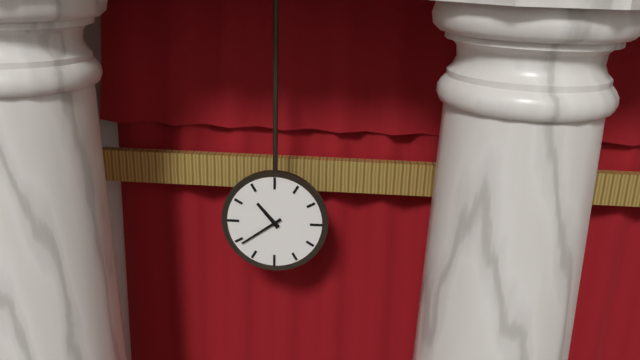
10:39
